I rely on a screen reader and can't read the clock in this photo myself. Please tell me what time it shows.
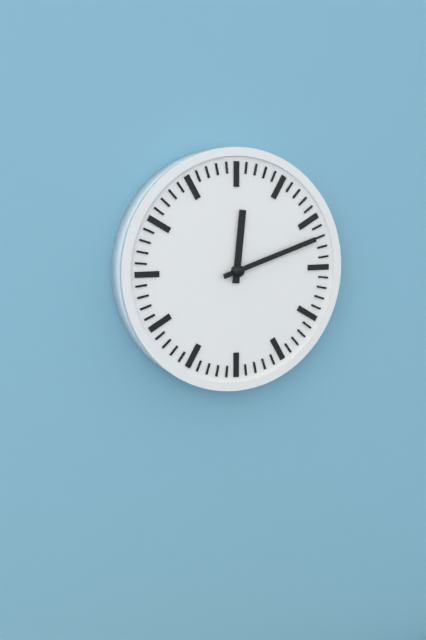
12:12
